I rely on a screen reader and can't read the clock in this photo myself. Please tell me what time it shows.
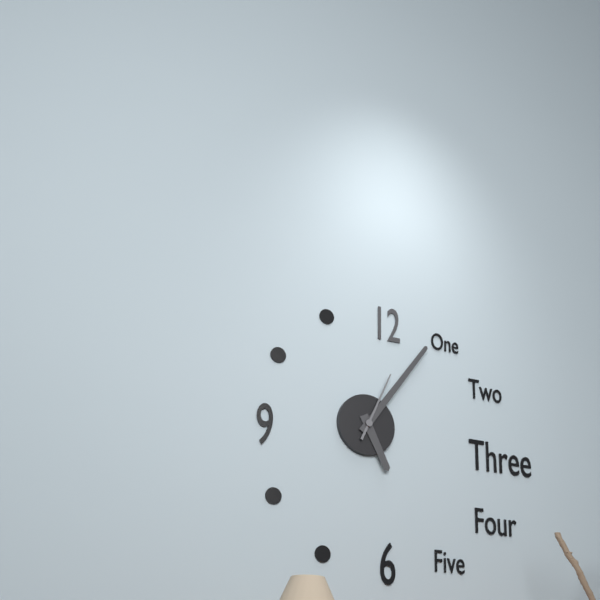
5:06:04
